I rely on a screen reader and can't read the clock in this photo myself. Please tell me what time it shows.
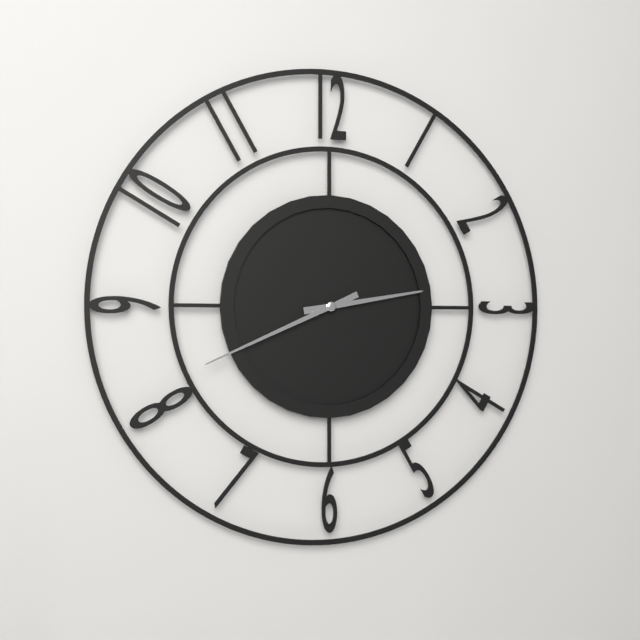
2:41
